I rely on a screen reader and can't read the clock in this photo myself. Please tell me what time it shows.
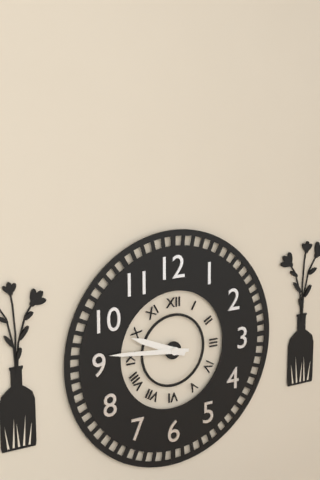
9:46
